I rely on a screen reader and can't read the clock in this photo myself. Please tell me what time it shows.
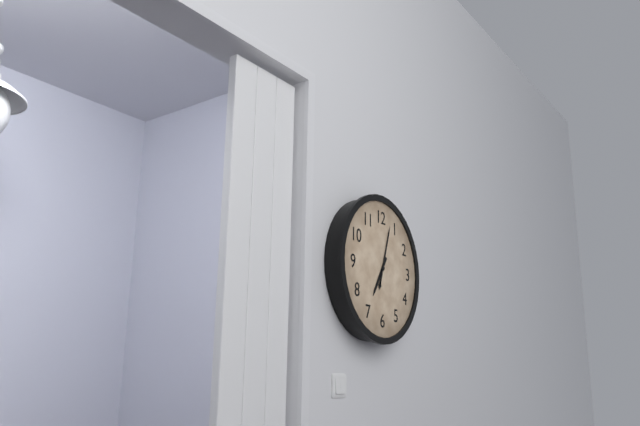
7:03
